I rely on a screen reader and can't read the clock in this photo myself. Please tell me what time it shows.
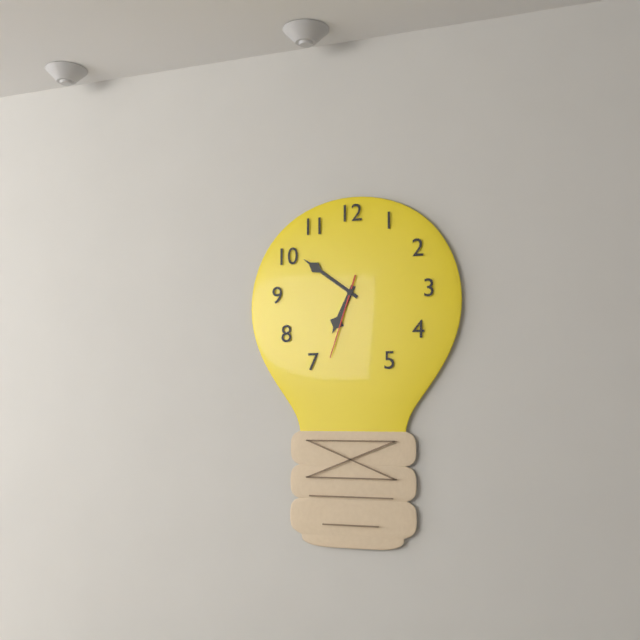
6:51:33
